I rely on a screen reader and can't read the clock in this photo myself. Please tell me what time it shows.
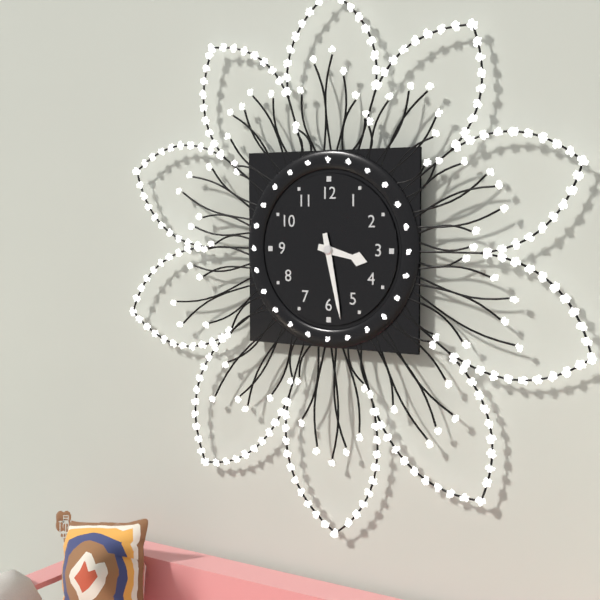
3:28
